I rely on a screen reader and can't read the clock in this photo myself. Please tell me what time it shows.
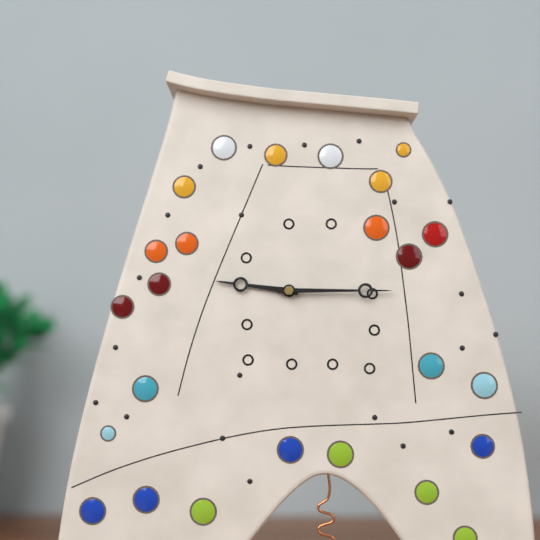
9:15
